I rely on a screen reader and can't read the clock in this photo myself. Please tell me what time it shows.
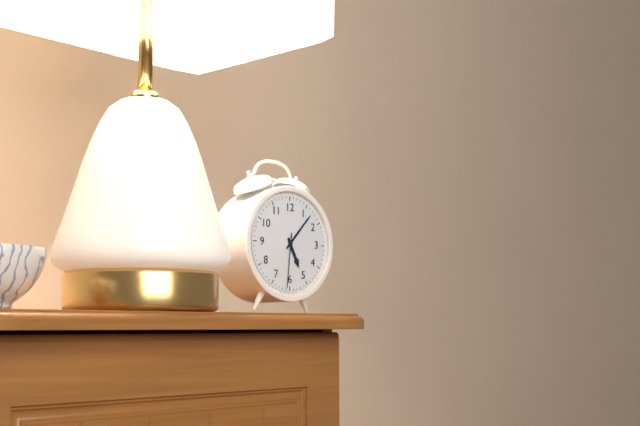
5:07:31
